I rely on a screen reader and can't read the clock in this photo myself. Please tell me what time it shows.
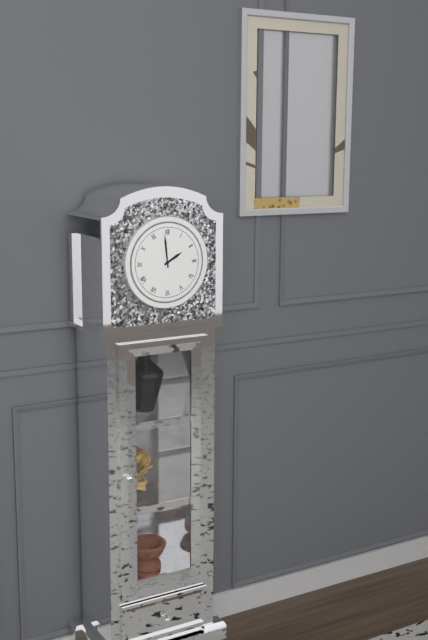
1:59
